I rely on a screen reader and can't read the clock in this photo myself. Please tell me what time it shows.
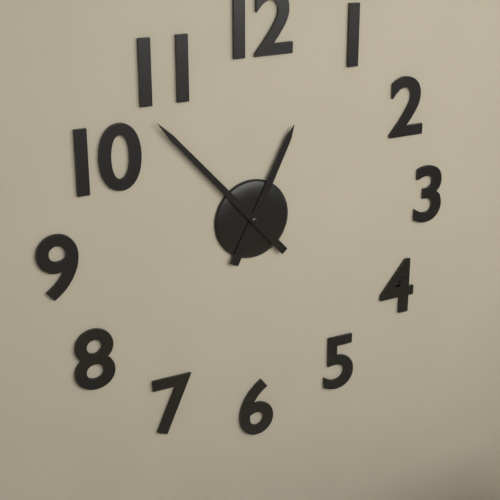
12:53
